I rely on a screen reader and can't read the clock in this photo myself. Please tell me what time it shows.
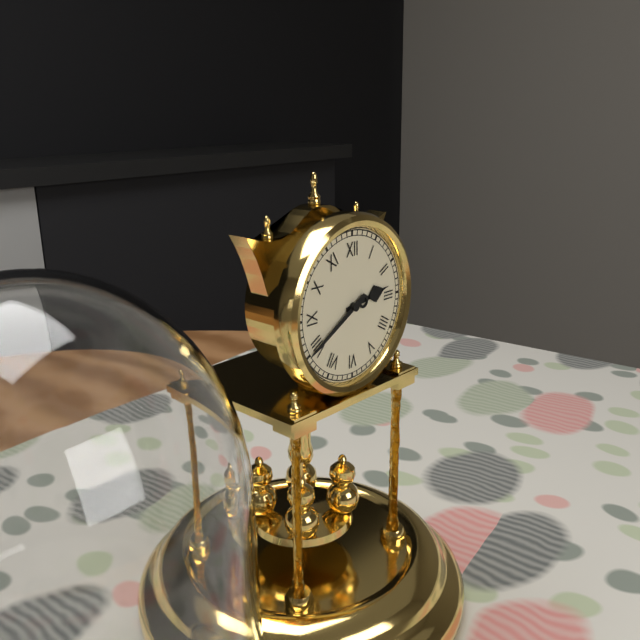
2:40
